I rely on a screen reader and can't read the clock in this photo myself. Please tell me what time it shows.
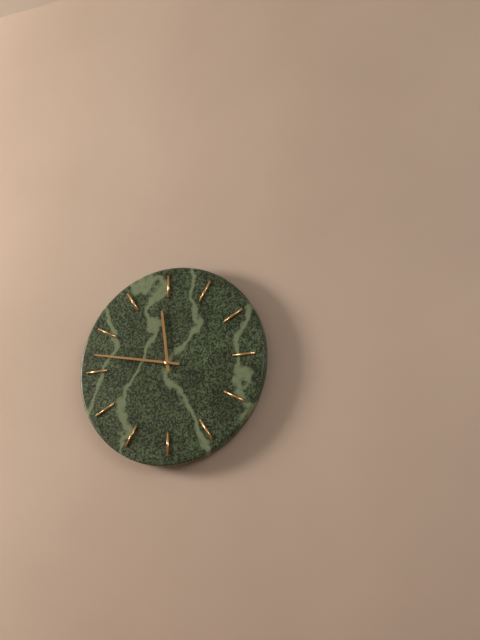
11:47
